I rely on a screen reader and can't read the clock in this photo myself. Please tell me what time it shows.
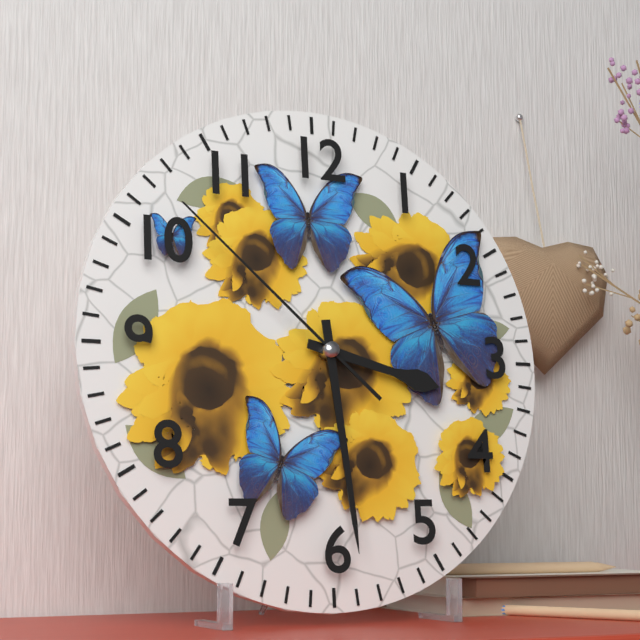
3:29:52
